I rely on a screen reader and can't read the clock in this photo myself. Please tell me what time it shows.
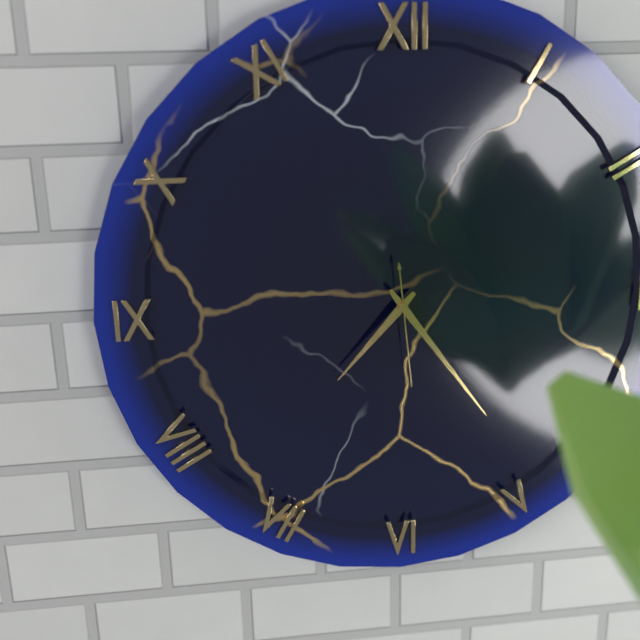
7:24:29
